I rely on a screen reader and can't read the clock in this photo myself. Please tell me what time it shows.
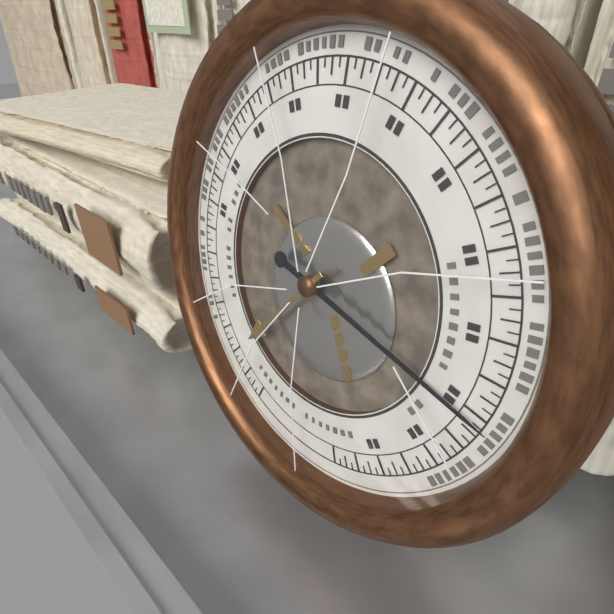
7:17
